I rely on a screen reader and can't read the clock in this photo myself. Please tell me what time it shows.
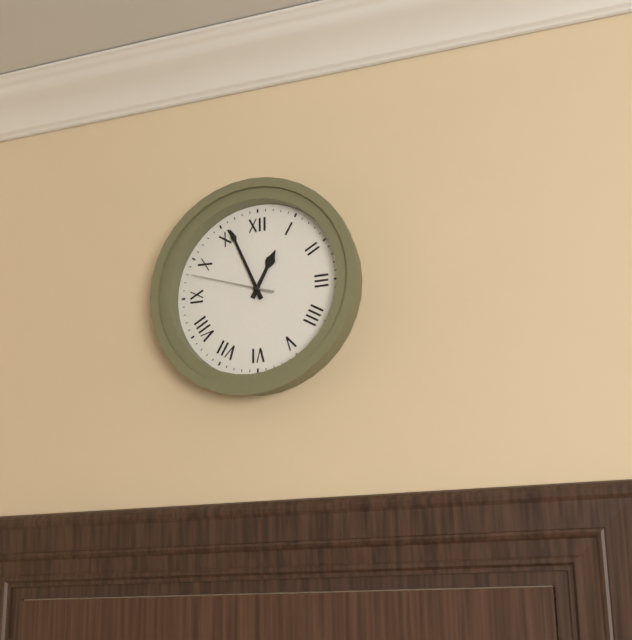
12:56:48
